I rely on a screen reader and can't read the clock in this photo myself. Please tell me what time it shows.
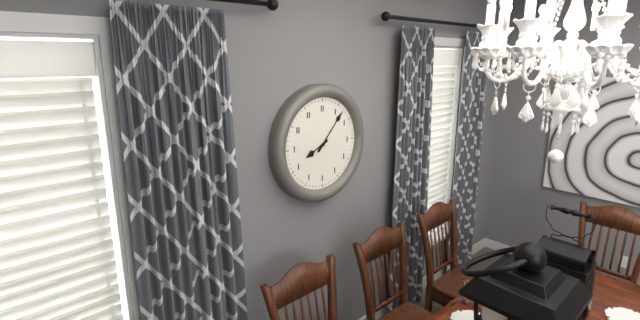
8:07
